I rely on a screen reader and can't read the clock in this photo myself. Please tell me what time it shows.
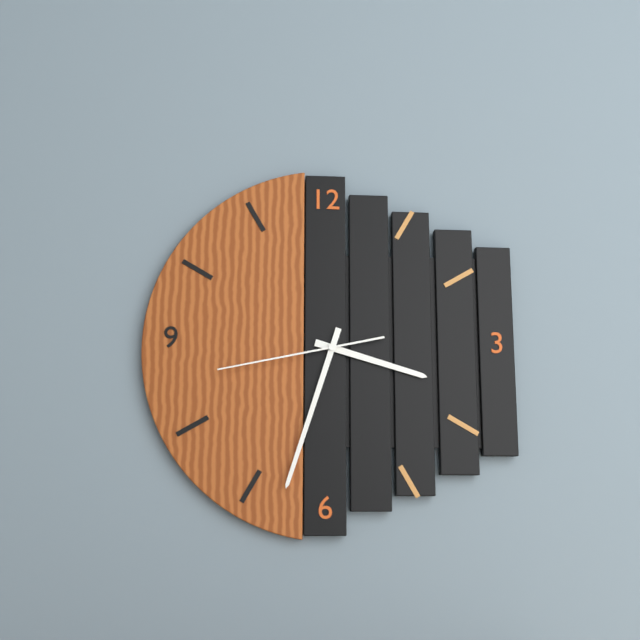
3:33:43
